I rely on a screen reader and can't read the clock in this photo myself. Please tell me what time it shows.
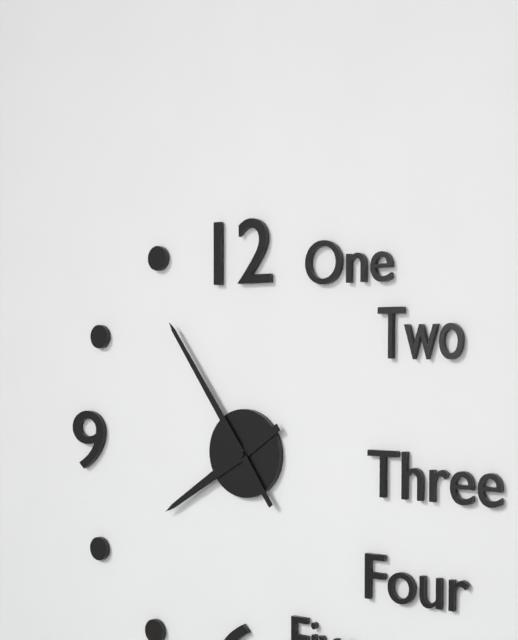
7:54
